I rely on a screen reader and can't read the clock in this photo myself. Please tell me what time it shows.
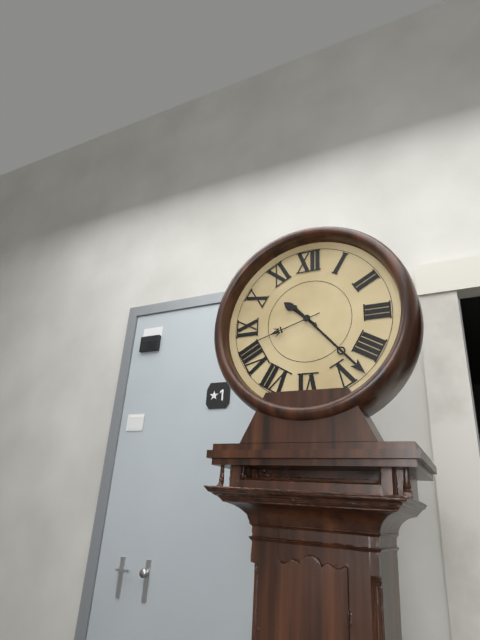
10:23:42
